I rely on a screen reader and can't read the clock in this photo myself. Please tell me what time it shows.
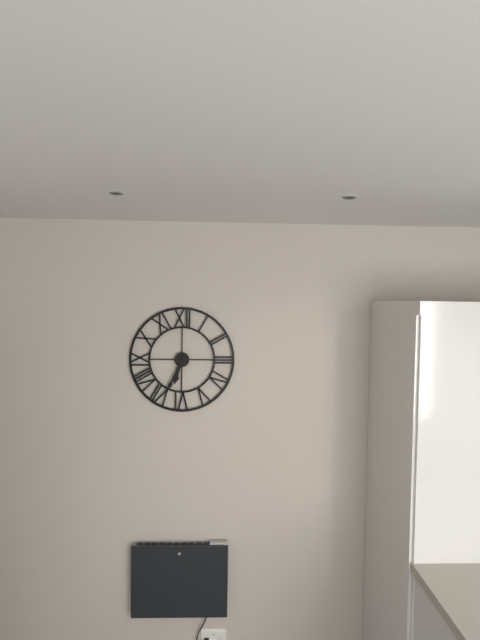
6:34
